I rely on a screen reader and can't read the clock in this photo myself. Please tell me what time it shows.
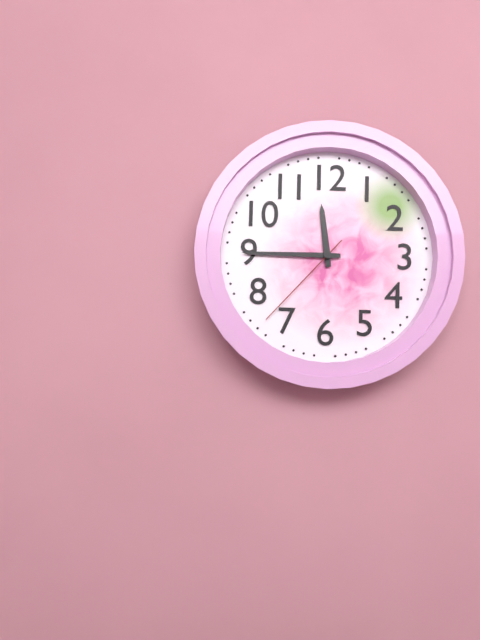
11:45:37
